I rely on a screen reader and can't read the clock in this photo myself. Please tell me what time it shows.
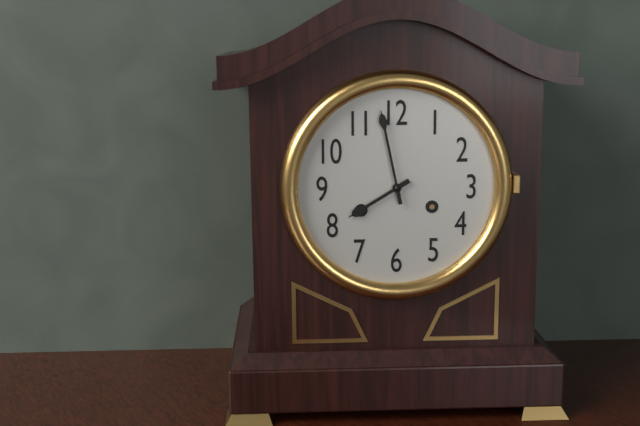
7:58
